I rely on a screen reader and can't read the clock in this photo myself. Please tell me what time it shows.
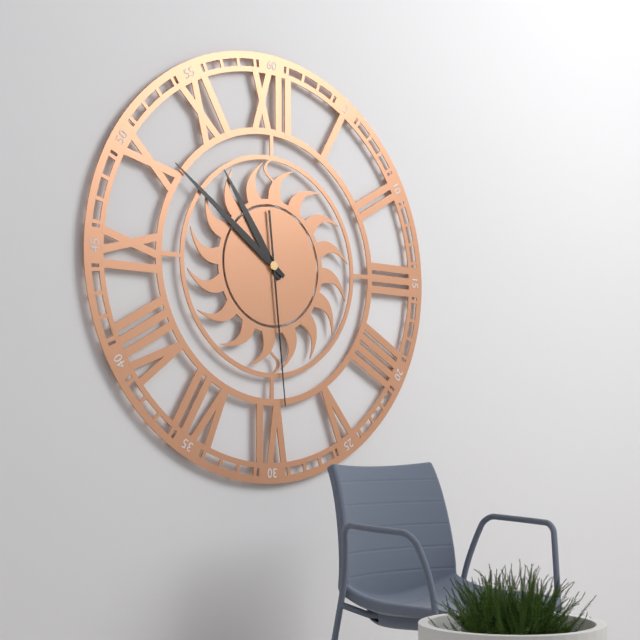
10:51:29
